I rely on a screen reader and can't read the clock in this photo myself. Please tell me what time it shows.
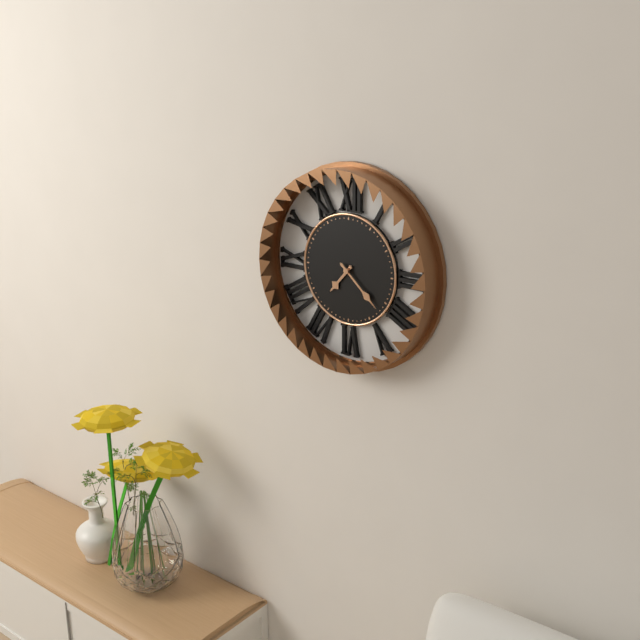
7:22
